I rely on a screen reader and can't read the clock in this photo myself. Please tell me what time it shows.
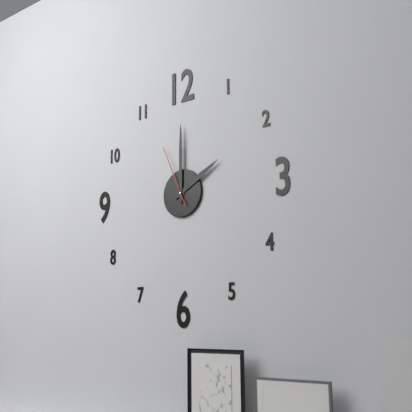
2:00:56
